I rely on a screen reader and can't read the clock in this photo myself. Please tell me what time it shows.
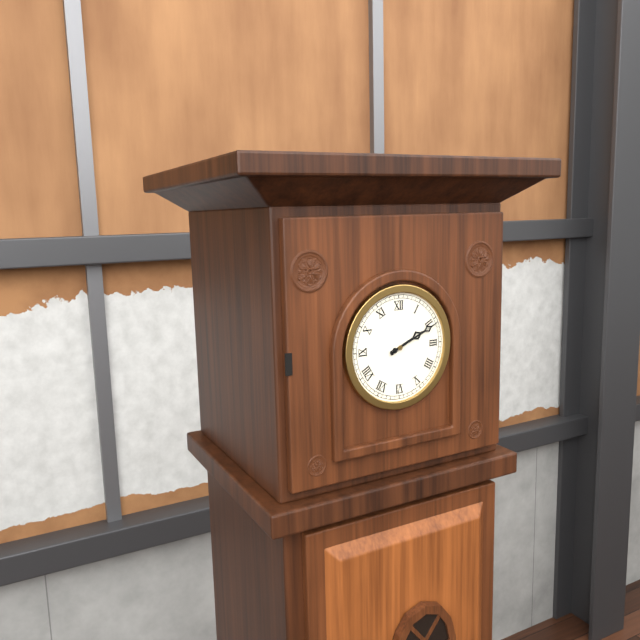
2:11
